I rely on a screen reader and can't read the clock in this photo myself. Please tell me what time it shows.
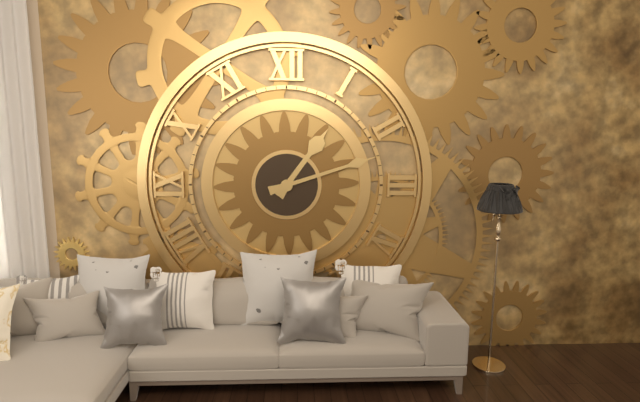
1:12
